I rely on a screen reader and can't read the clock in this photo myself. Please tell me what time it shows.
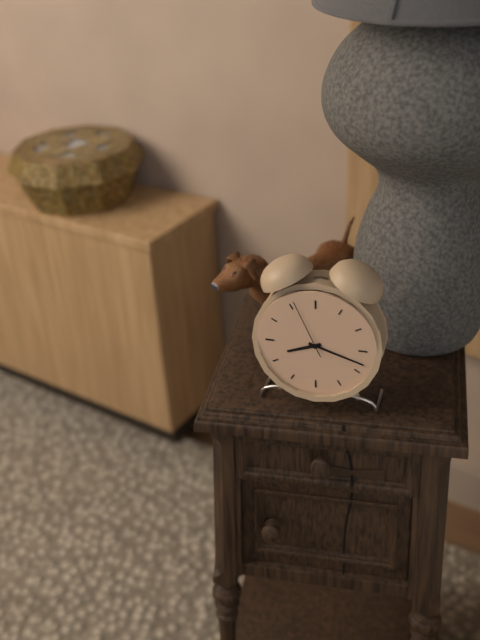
8:18:56
